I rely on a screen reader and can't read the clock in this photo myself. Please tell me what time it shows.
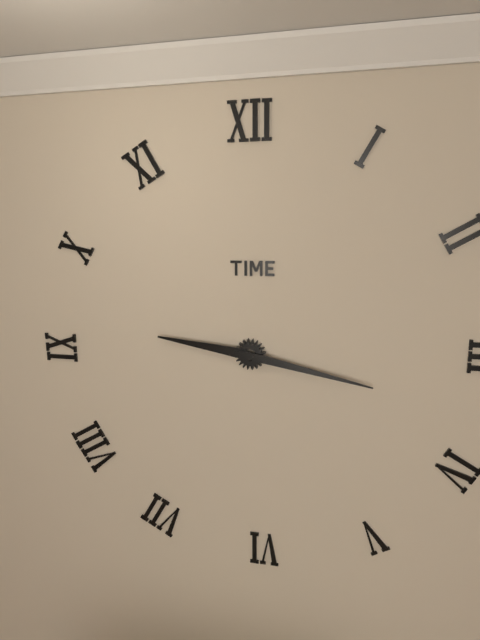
9:17
